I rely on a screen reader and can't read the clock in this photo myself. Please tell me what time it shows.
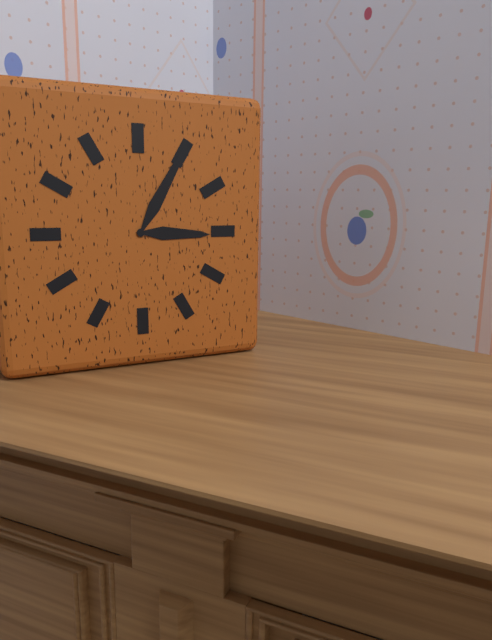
3:05
